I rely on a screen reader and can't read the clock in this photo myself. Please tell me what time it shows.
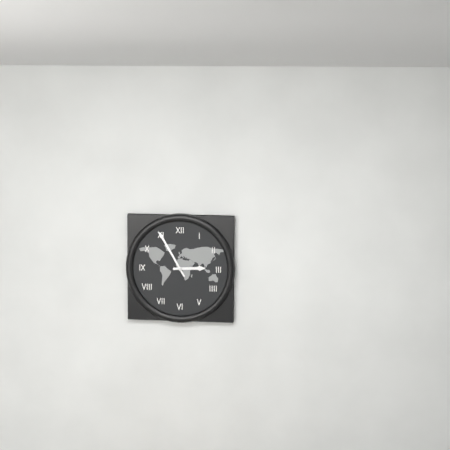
2:55
